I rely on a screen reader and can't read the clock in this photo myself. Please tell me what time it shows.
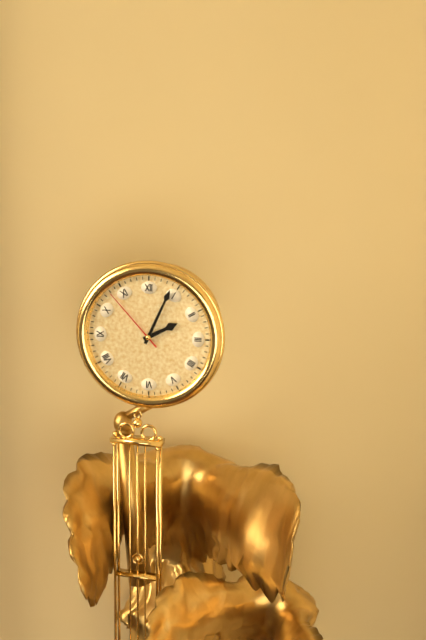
2:04:53
